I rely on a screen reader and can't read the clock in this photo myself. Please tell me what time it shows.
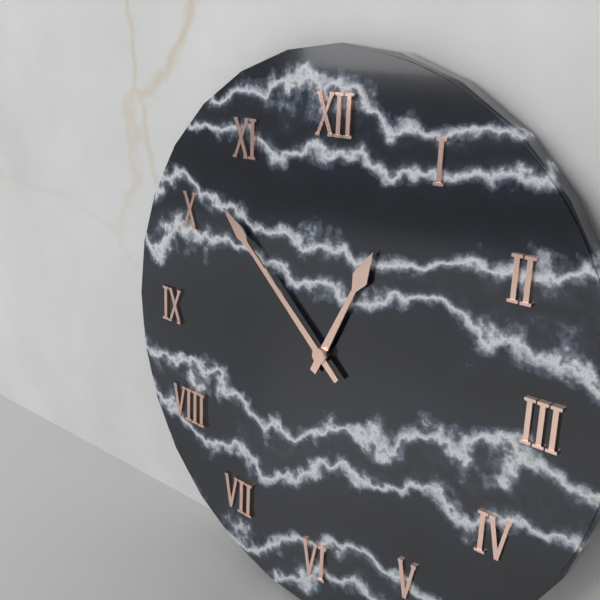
12:52
